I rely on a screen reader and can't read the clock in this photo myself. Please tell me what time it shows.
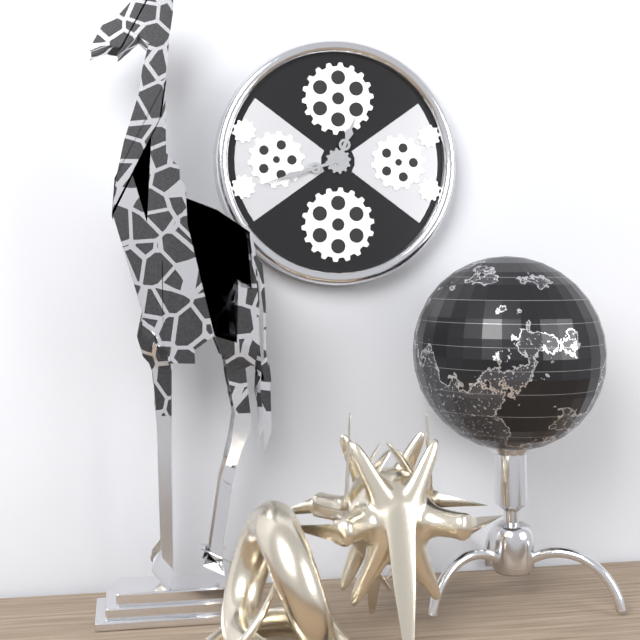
12:42
